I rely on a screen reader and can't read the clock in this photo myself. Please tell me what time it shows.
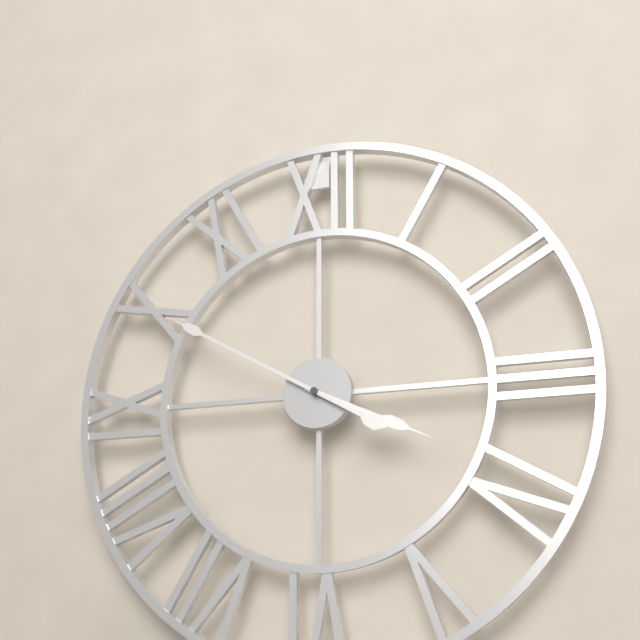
3:50
